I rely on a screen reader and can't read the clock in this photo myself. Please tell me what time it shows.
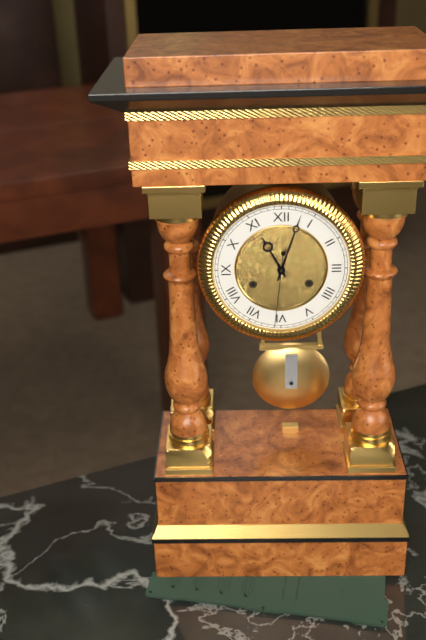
11:03:31
